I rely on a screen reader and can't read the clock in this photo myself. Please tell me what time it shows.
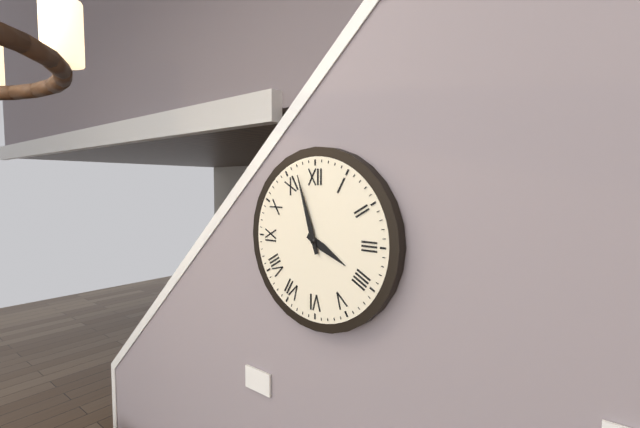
3:57
